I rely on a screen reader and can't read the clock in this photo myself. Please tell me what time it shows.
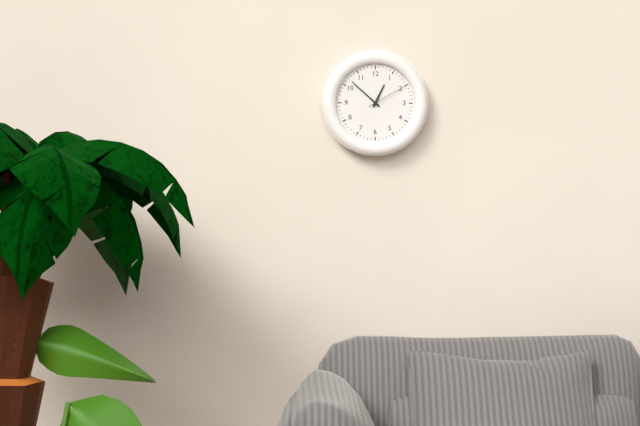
12:52
